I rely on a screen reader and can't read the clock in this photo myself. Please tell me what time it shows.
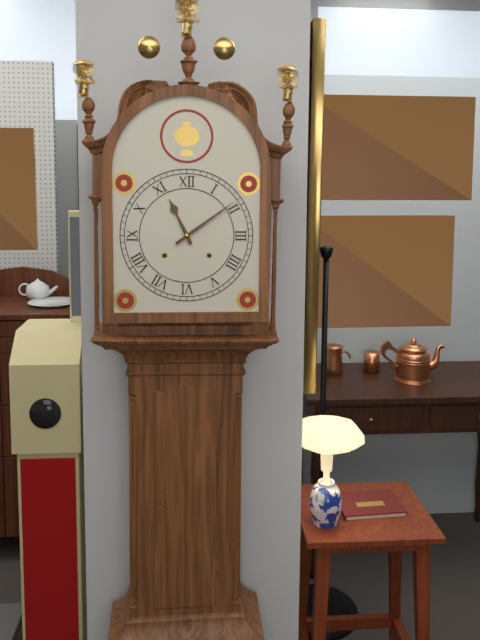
11:09
